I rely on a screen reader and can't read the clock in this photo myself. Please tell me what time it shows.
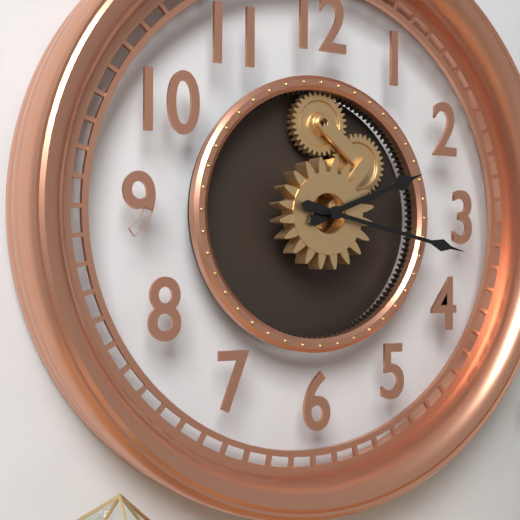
2:17
